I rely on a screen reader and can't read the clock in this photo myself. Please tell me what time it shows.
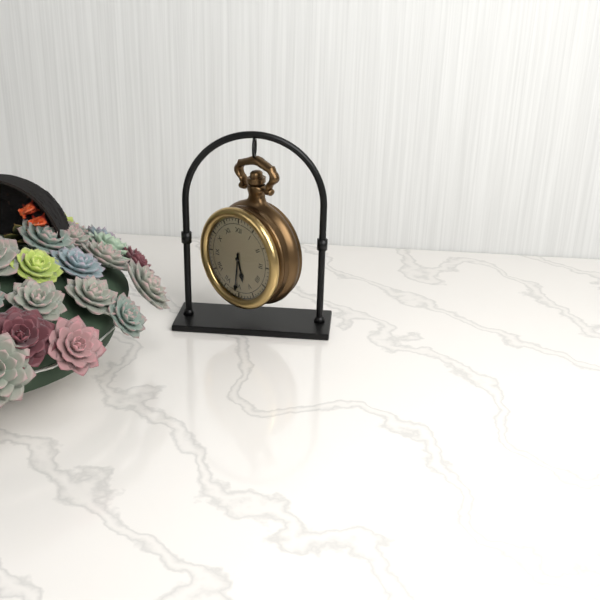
5:31
